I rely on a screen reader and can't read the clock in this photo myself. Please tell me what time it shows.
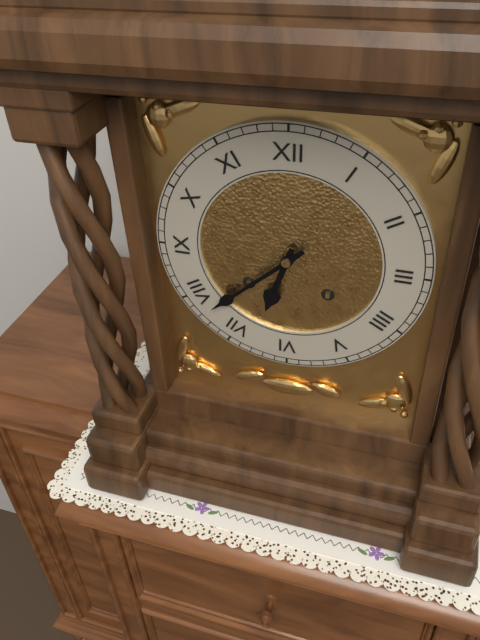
6:38
